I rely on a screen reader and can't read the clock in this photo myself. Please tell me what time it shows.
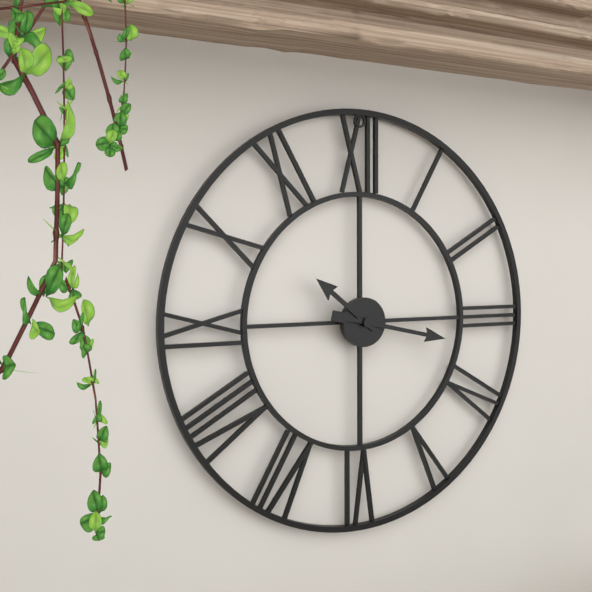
10:17
